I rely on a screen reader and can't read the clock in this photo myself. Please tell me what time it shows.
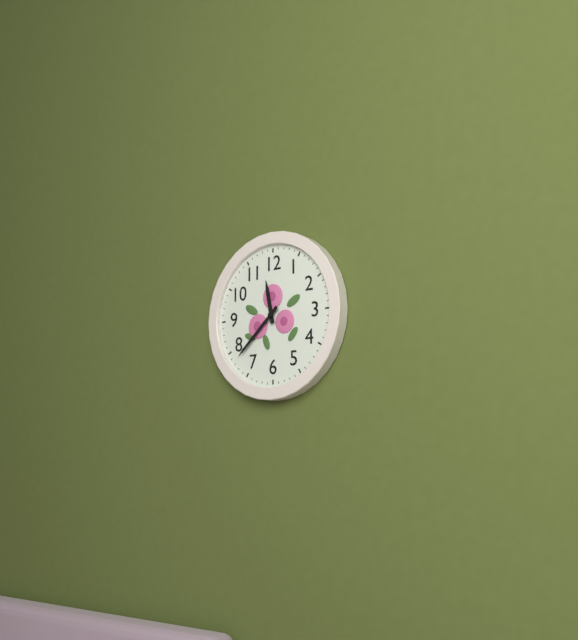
11:38
